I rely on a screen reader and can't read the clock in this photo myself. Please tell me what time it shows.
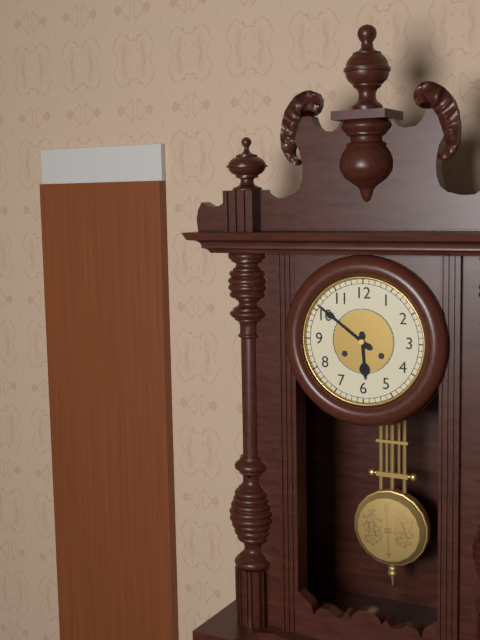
5:51
